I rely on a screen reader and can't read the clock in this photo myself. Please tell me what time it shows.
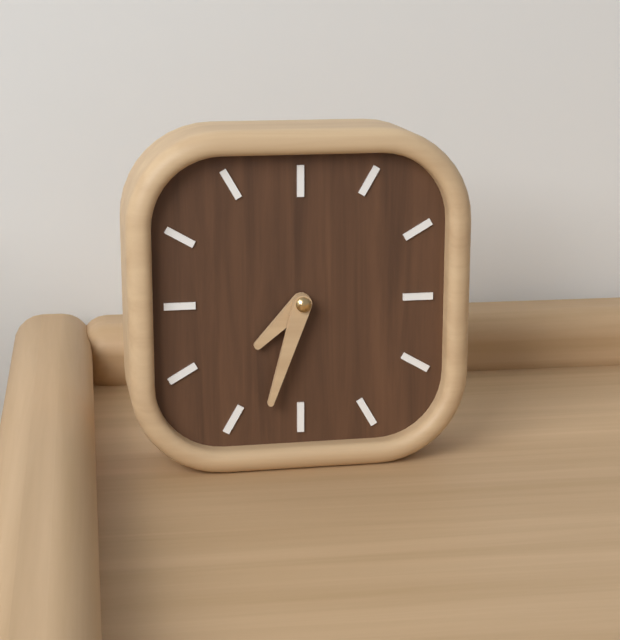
7:33
